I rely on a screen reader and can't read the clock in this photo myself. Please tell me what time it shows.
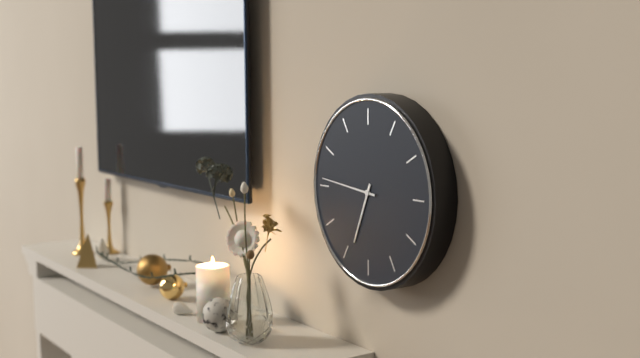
6:46
